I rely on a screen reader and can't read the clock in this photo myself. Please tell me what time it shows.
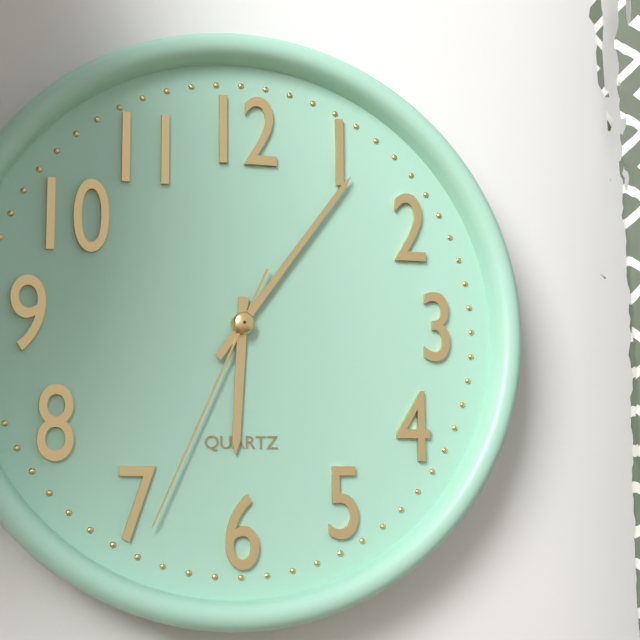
6:06:34
